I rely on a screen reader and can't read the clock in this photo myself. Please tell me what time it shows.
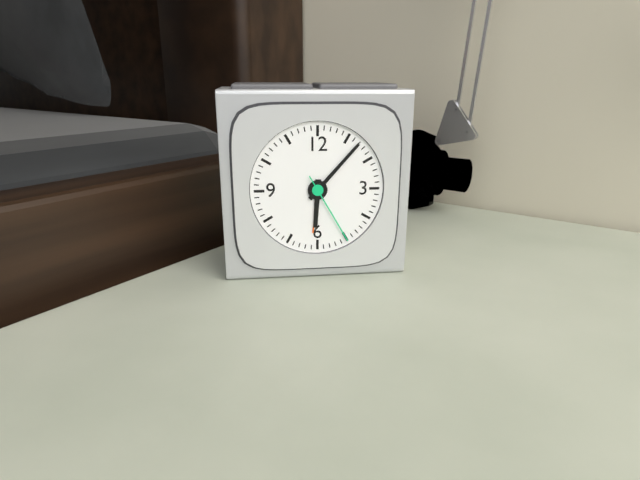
6:07:25
